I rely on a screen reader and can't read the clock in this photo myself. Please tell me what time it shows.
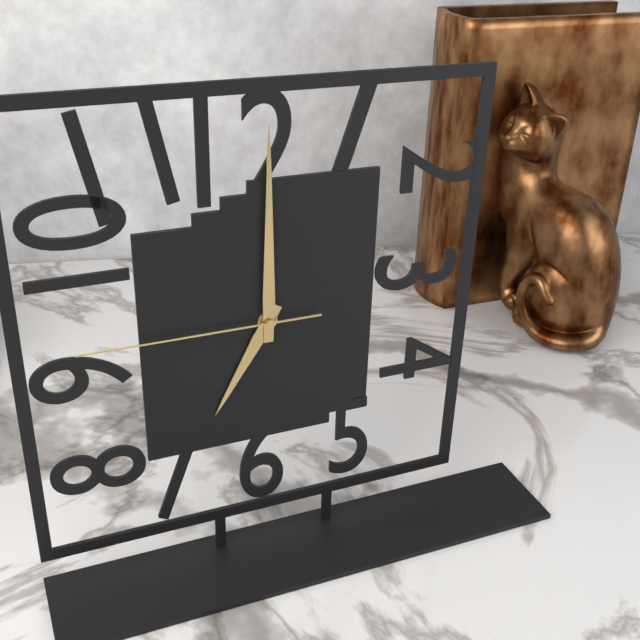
7:00:45
